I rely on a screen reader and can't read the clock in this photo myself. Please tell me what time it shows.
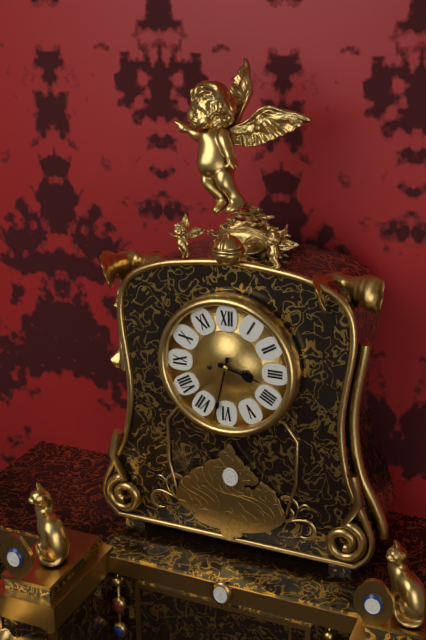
3:32
